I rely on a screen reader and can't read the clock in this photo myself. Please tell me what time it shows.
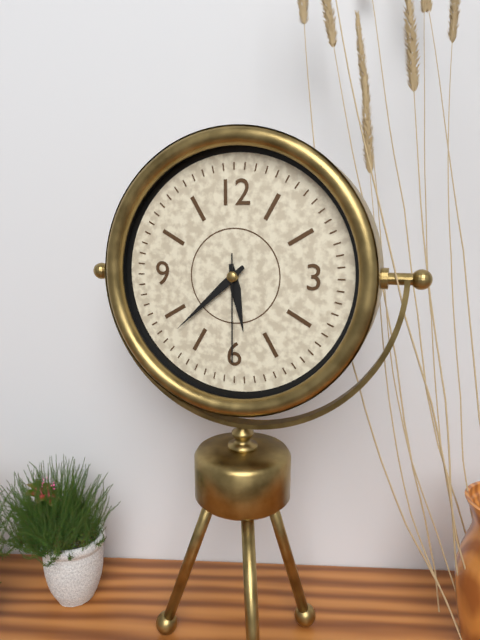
5:38:30
